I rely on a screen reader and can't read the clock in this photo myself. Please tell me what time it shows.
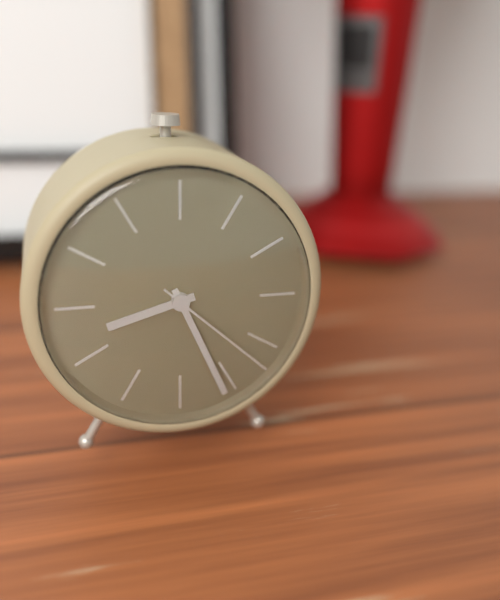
8:26:22
